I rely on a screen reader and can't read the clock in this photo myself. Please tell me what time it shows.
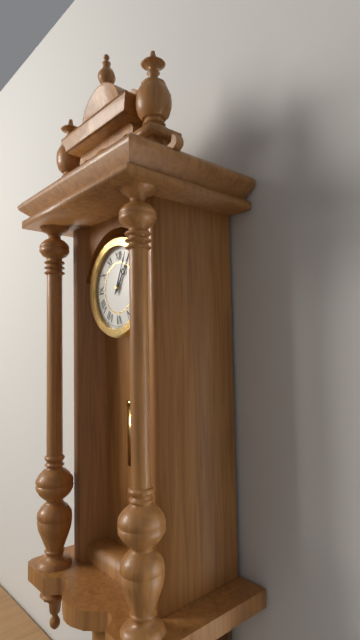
1:04
